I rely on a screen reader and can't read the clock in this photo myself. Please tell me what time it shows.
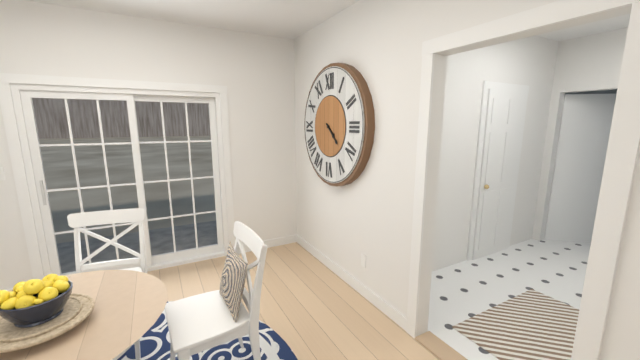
4:22
